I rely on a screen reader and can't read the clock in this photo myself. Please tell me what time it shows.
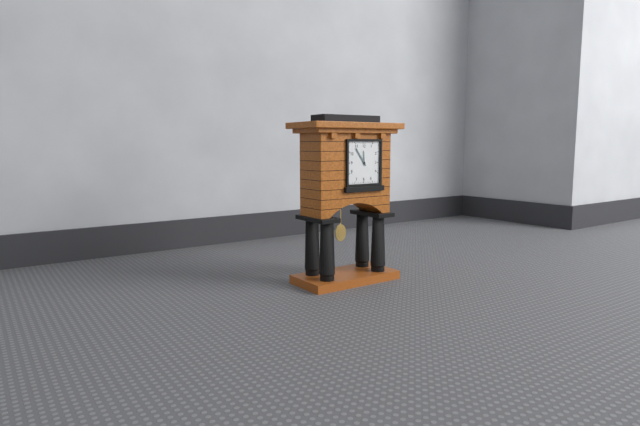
11:54
